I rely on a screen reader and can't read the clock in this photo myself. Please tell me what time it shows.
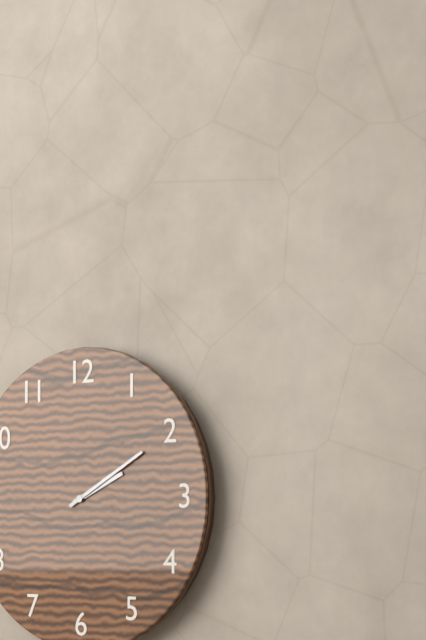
2:10
